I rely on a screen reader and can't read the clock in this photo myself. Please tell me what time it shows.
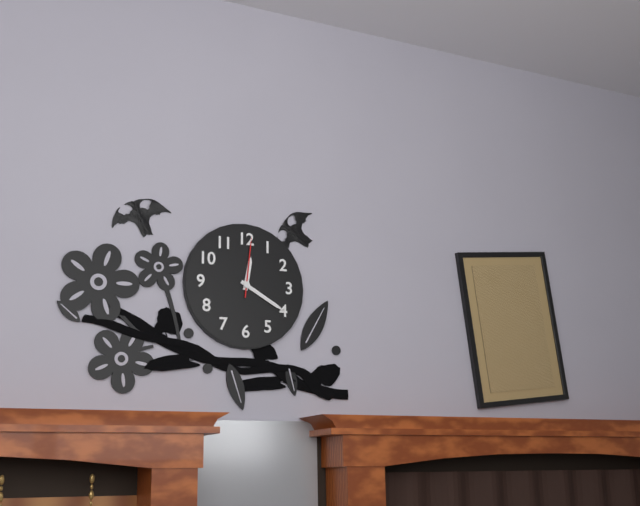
12:20:01
